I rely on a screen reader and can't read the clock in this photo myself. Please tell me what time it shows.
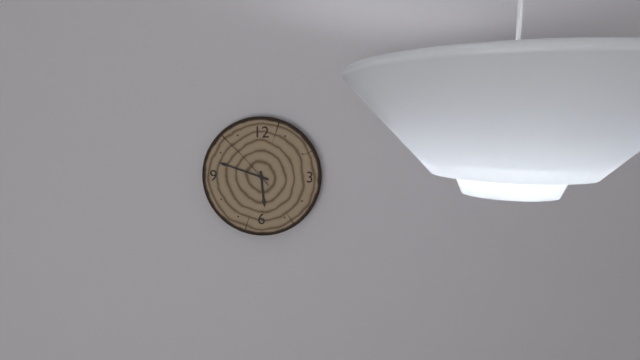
5:48:53
